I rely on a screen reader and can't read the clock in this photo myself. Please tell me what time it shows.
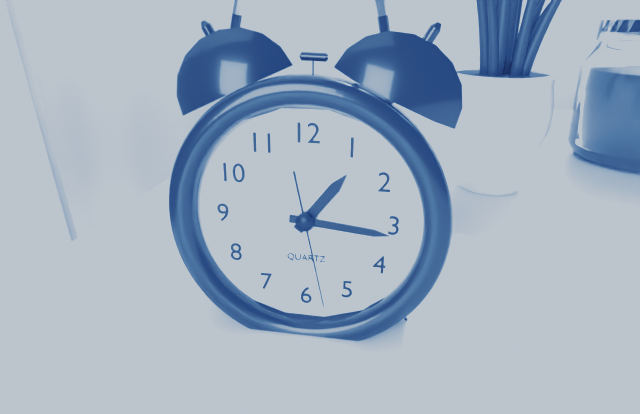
1:16:28
